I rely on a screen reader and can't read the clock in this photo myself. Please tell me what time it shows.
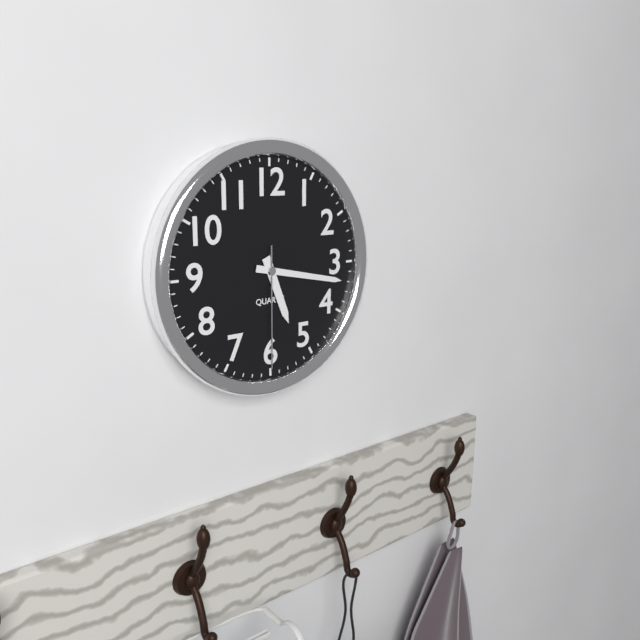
5:17:30
